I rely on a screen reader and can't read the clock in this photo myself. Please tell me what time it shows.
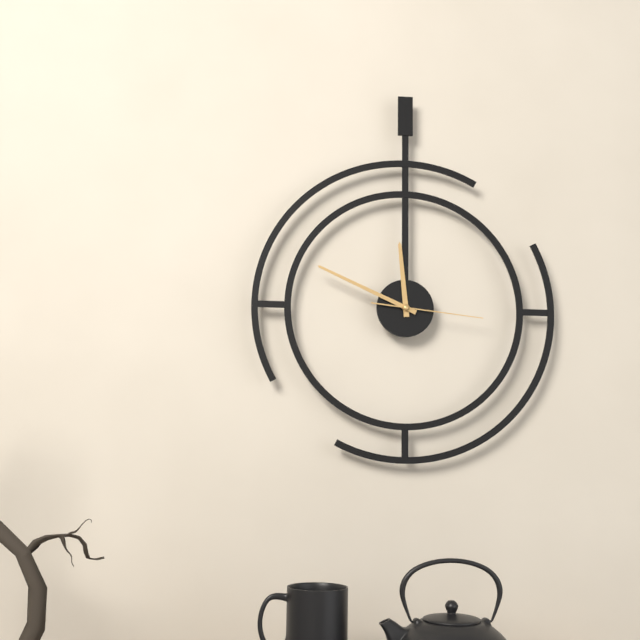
11:49:16
